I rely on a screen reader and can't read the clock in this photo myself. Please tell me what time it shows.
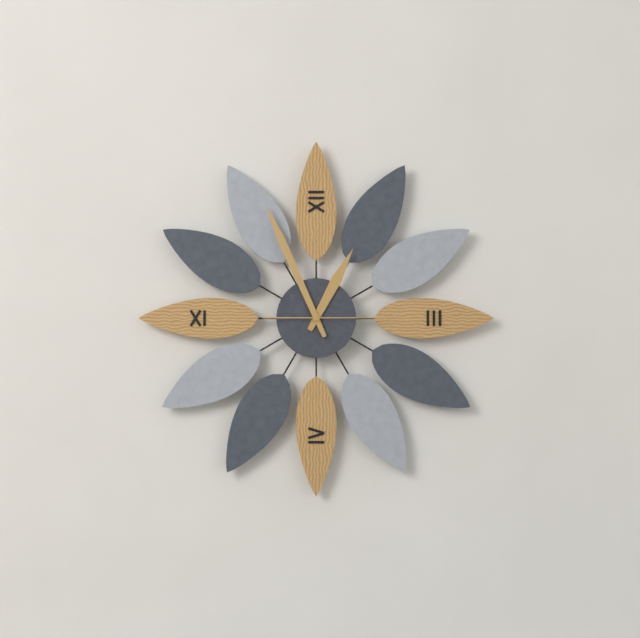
12:56:15
